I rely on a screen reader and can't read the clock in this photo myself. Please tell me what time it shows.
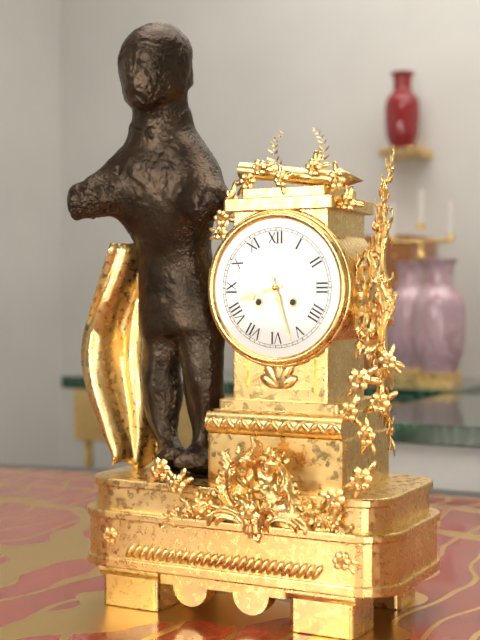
8:27
